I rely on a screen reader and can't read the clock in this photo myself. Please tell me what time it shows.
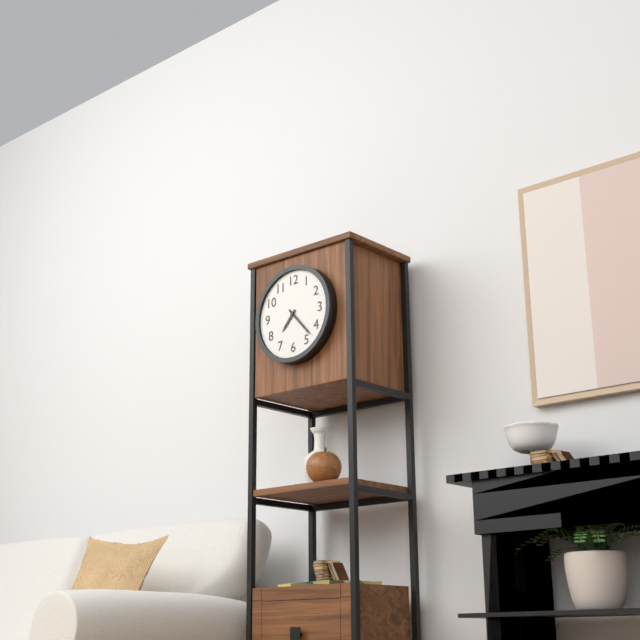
7:23
